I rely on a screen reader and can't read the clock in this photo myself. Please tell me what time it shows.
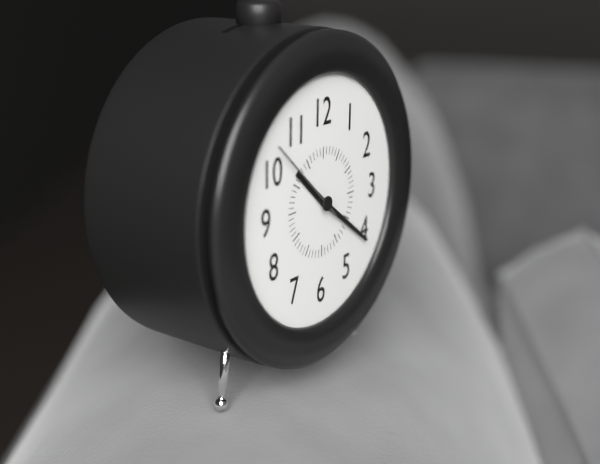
10:21:52
